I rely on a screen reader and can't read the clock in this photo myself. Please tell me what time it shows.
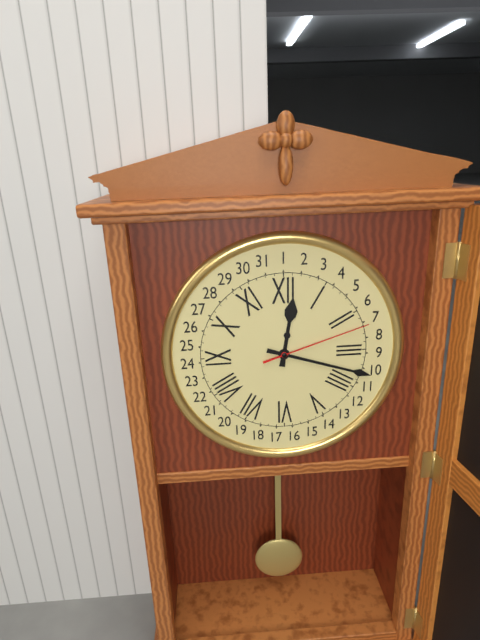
12:18:12
